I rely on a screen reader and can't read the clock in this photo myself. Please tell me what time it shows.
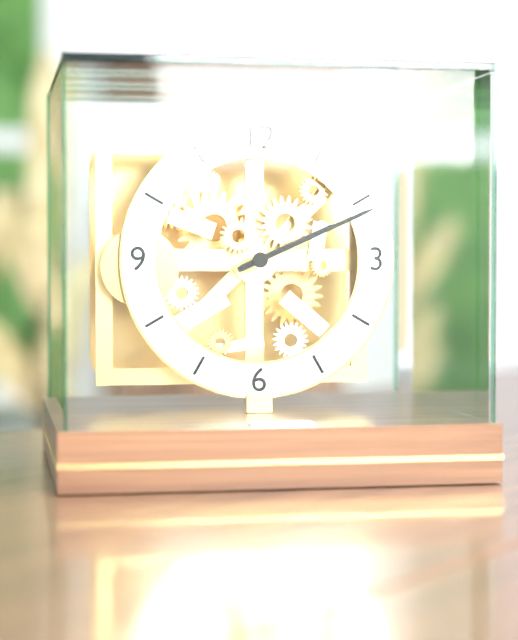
2:11
